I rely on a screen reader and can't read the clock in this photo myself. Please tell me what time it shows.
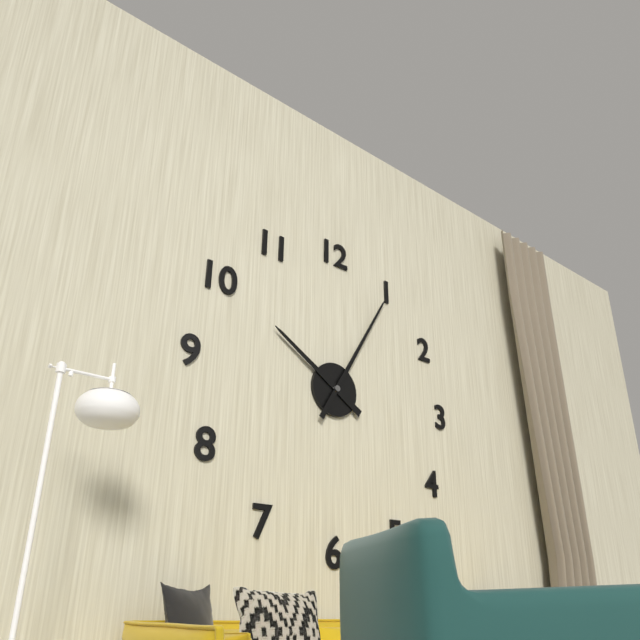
10:05
